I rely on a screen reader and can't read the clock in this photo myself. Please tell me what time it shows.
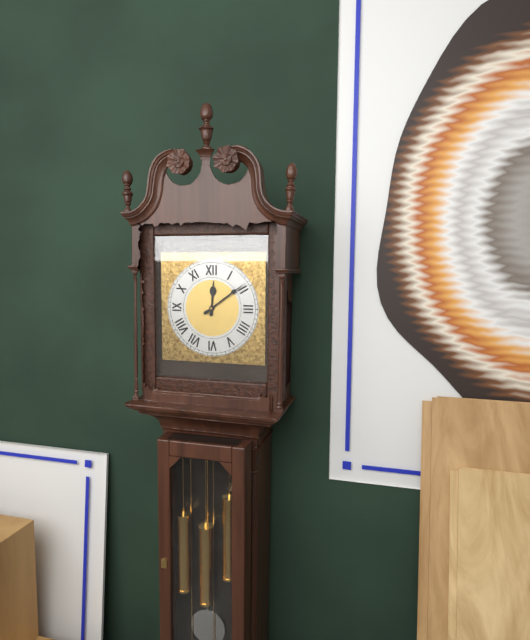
12:09
